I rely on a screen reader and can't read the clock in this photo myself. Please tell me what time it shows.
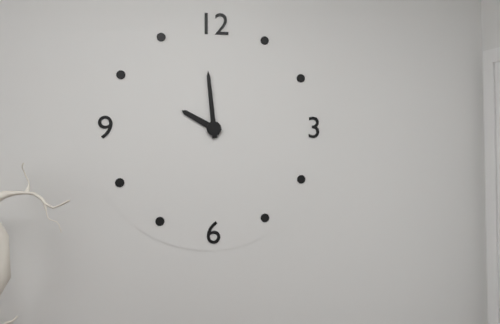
9:59
